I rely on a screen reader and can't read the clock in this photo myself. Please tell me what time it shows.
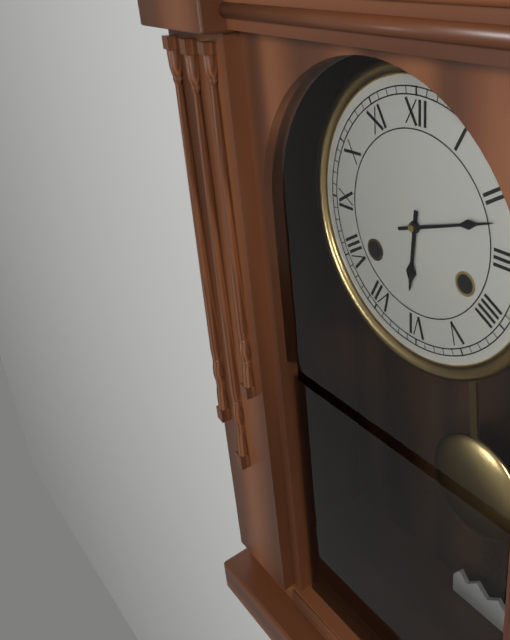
6:12
